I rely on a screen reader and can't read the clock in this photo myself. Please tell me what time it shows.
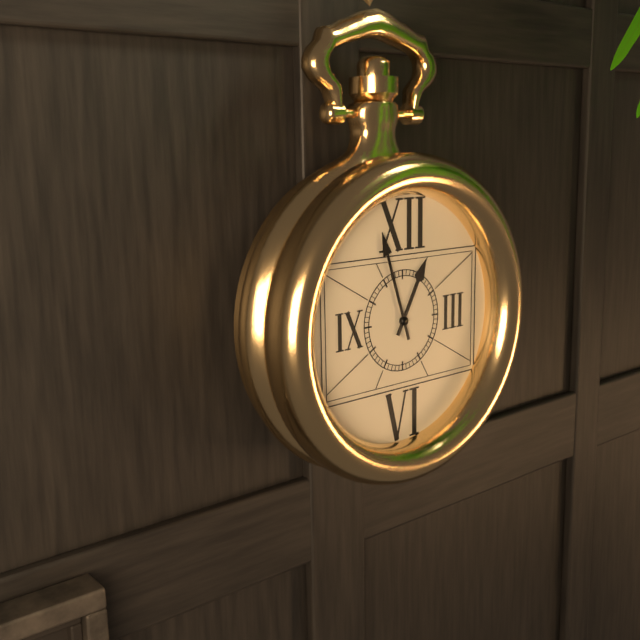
12:57
